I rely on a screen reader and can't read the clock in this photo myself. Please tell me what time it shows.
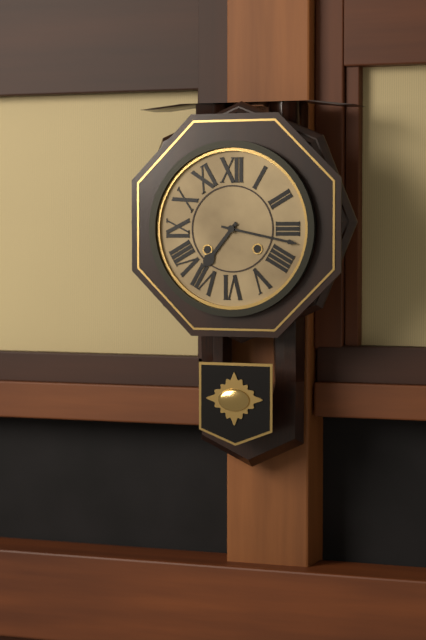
7:17
